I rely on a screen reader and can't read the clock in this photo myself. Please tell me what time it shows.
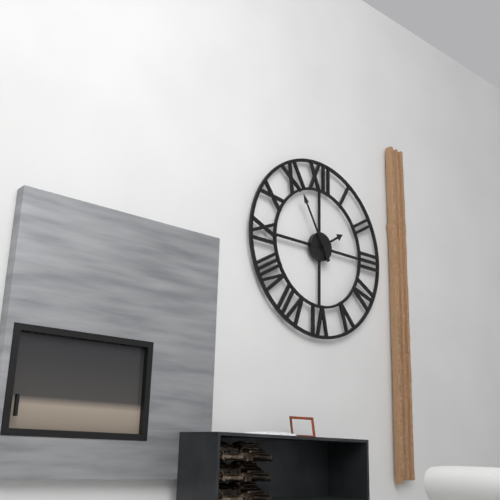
1:55
